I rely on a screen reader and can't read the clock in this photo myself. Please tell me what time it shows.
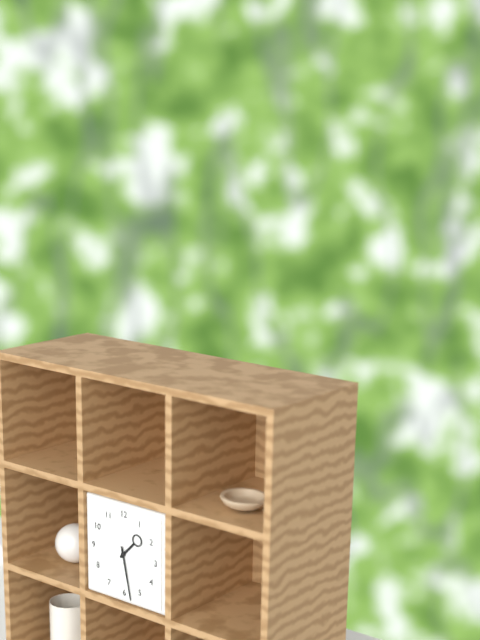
1:28
